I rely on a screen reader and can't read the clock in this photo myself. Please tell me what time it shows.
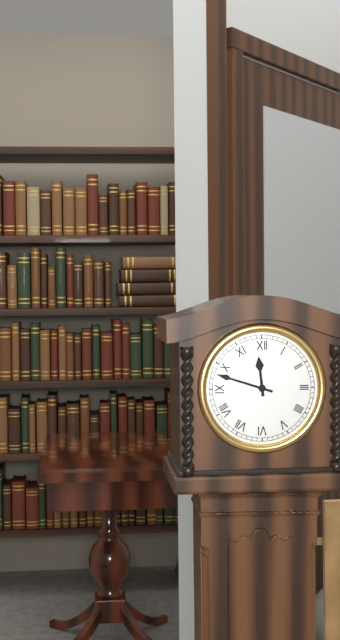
11:48
